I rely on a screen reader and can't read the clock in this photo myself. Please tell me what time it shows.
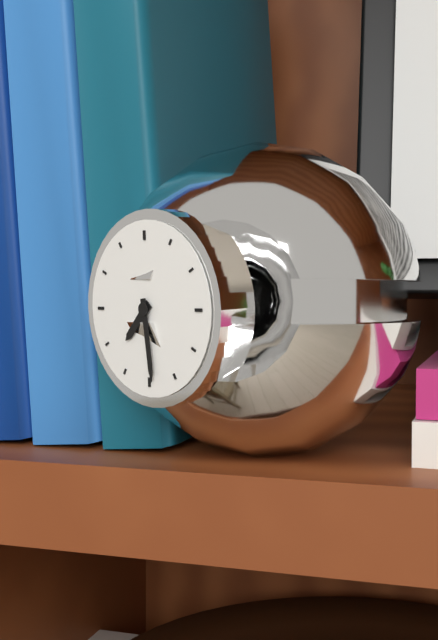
7:29
